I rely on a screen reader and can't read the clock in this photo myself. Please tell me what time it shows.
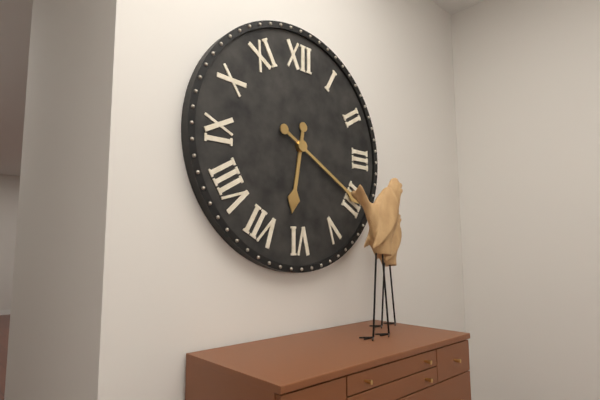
6:20
